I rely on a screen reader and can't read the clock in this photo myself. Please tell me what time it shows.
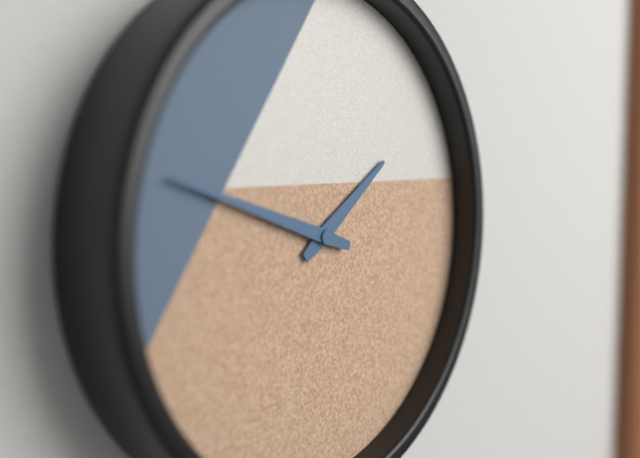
1:48
